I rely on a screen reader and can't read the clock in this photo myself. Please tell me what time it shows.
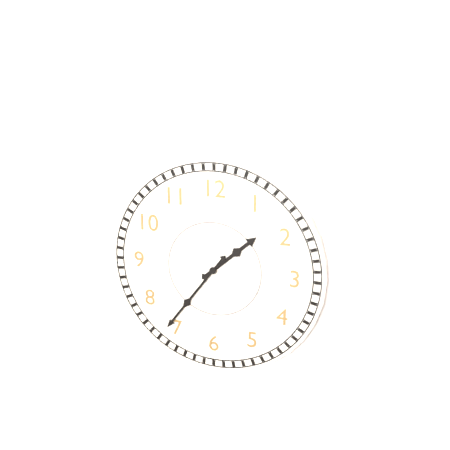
1:36
